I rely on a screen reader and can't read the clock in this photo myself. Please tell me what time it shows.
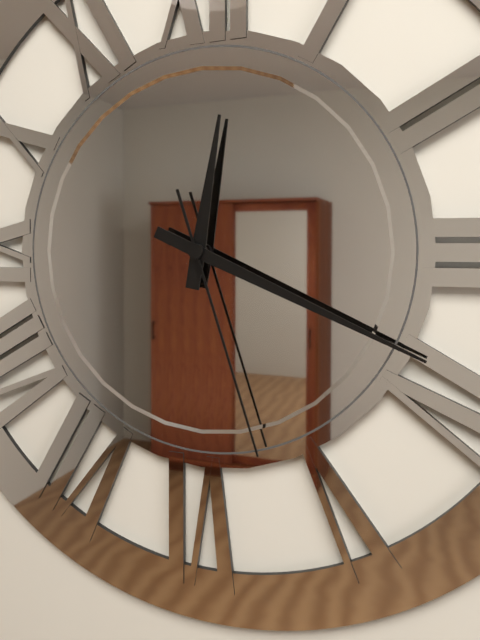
12:19:27
